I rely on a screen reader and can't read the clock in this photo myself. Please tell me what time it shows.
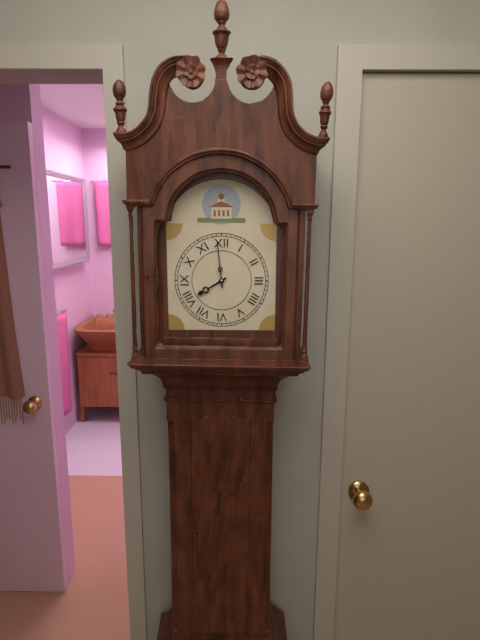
7:59
